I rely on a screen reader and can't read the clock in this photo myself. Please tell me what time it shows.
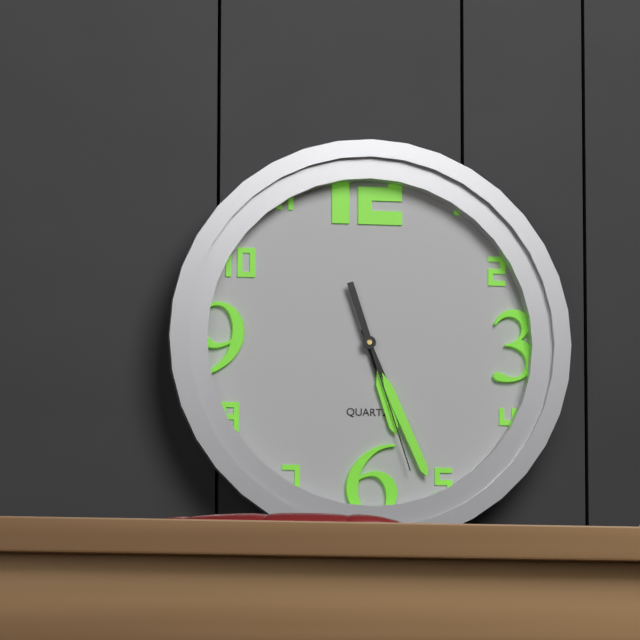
5:26:27
